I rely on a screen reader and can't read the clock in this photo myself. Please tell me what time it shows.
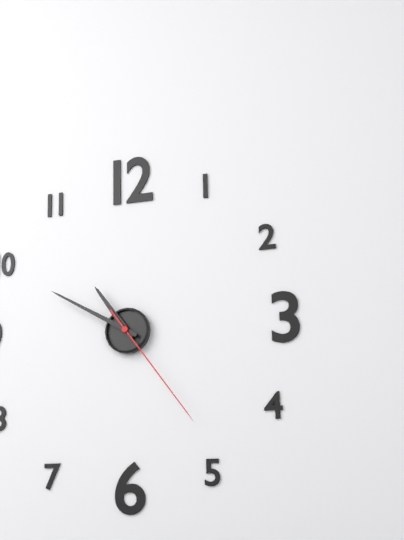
10:50:24
